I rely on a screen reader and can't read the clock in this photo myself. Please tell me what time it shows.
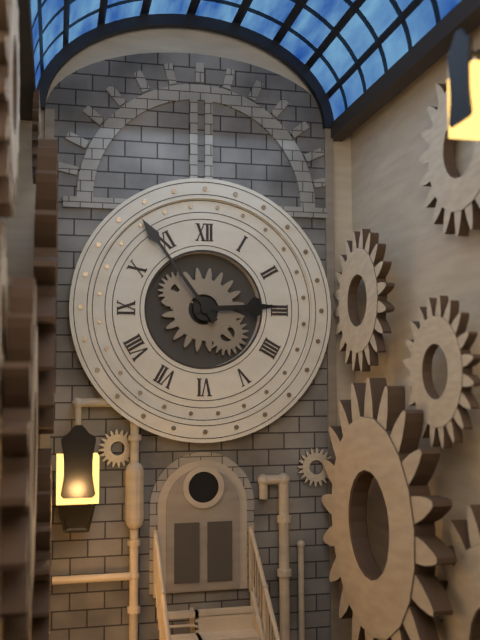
2:54
